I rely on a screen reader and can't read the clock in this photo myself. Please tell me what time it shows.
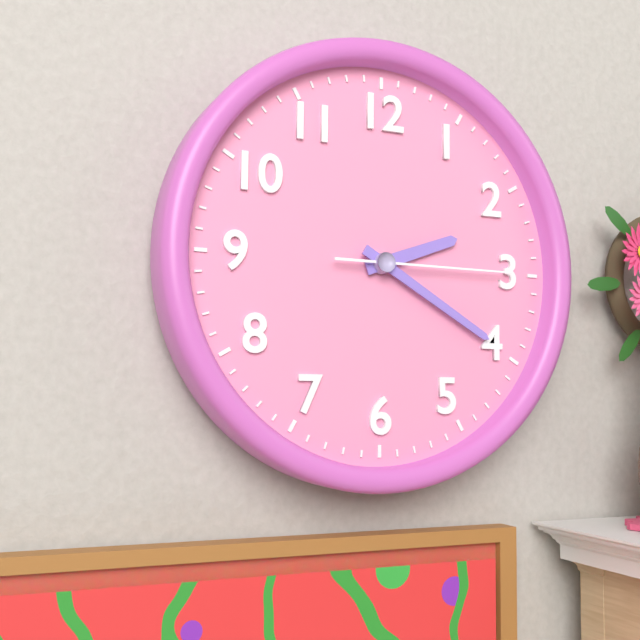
2:20:15
